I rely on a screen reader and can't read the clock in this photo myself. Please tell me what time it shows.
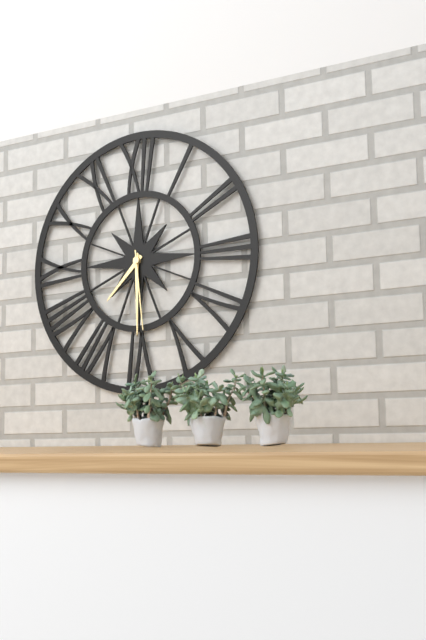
7:30:29
